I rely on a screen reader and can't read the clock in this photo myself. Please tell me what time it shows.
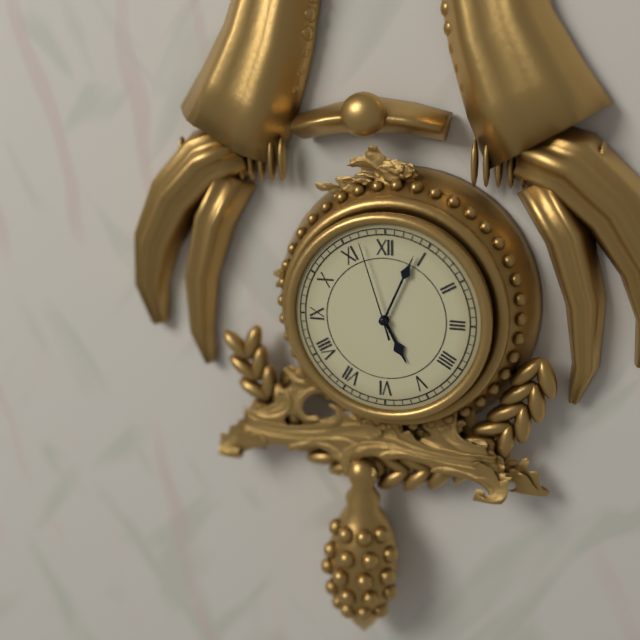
5:04:57
